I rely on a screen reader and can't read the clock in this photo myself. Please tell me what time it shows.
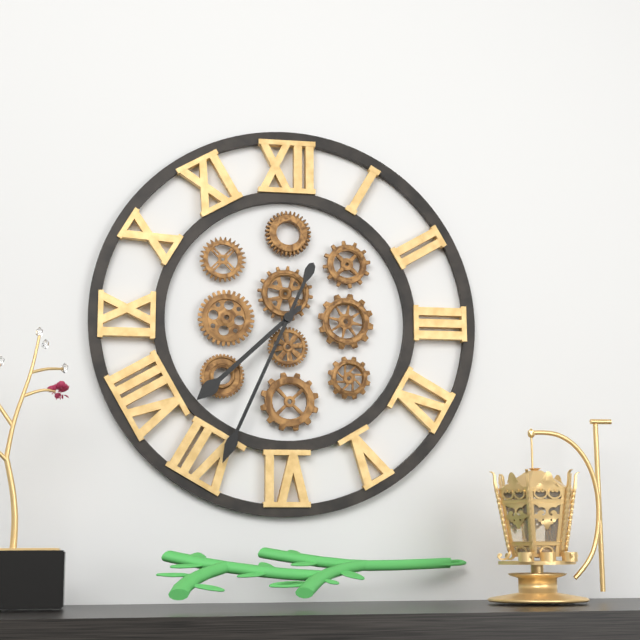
7:34
